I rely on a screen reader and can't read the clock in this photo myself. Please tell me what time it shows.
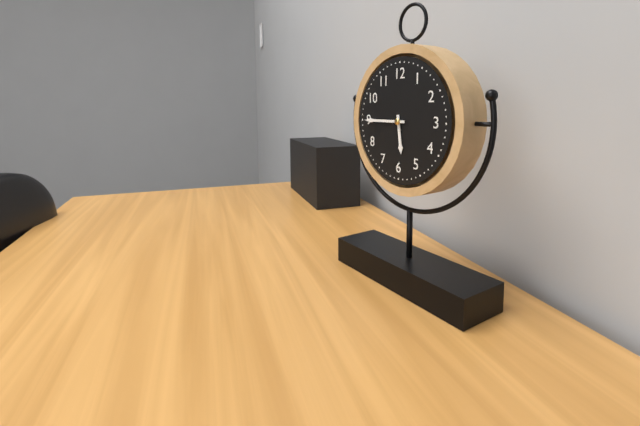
5:45
